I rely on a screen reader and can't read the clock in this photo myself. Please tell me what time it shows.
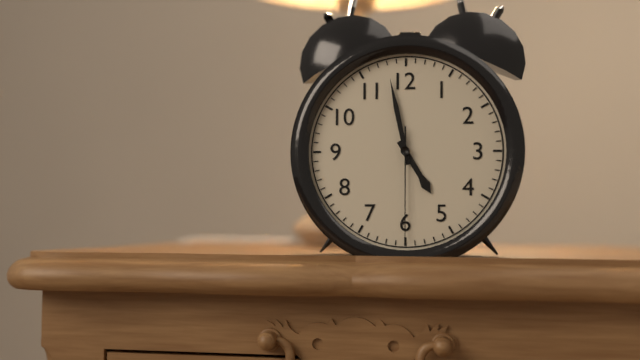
4:58:30
